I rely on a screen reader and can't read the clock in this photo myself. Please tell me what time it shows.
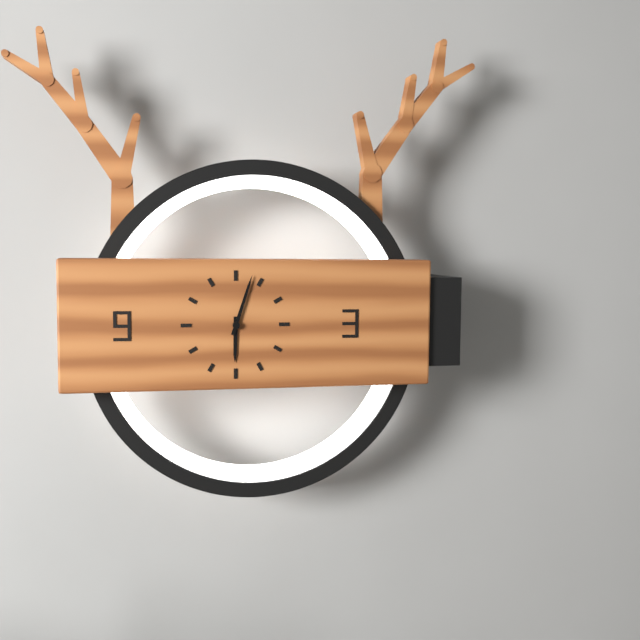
6:03
